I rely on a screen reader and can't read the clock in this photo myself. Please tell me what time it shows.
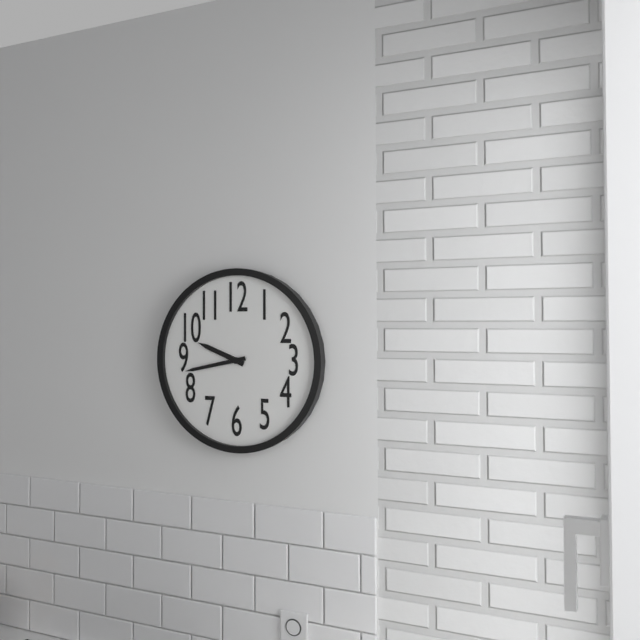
9:43
